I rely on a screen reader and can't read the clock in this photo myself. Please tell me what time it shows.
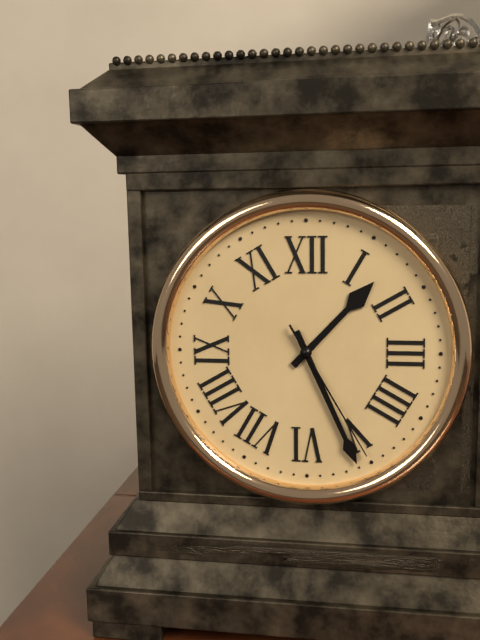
1:26:25
